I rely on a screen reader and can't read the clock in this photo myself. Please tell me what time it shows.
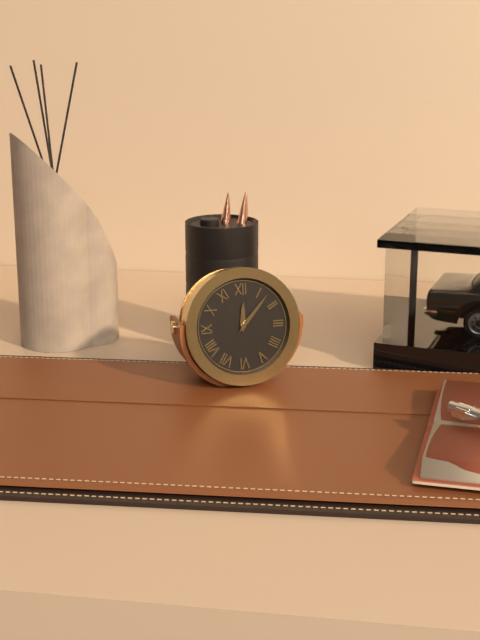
12:07
